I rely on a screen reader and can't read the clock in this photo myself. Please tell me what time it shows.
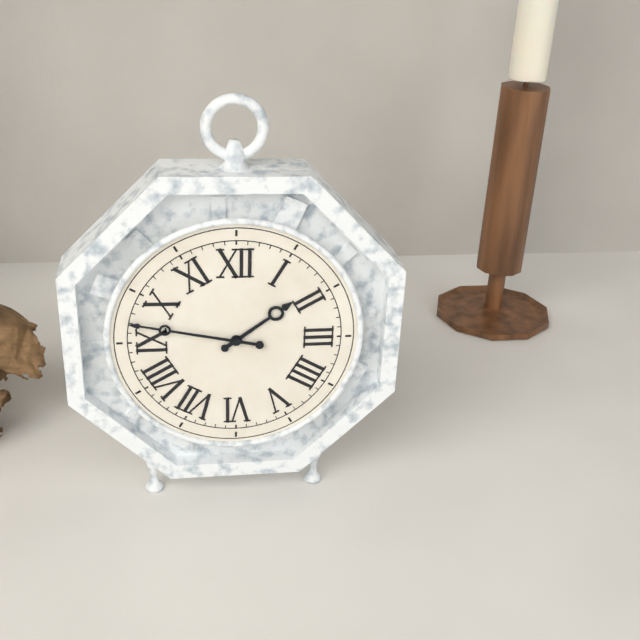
1:47
